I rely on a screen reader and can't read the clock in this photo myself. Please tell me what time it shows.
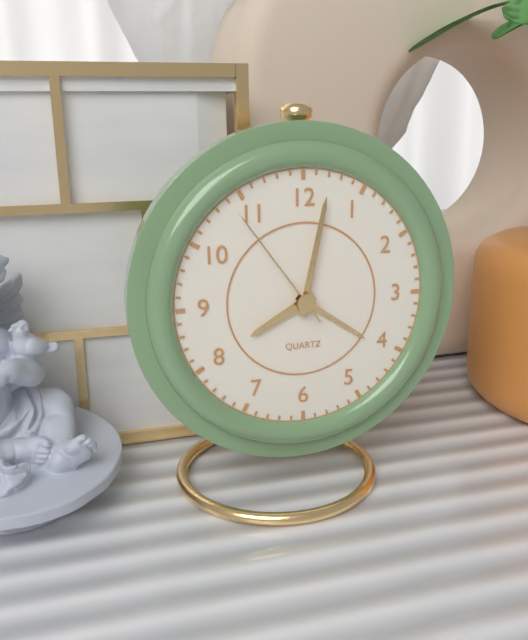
8:02:54
